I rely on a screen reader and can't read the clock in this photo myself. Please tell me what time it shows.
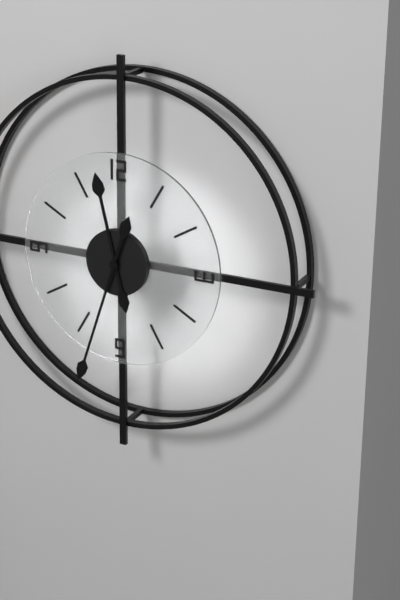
11:33
